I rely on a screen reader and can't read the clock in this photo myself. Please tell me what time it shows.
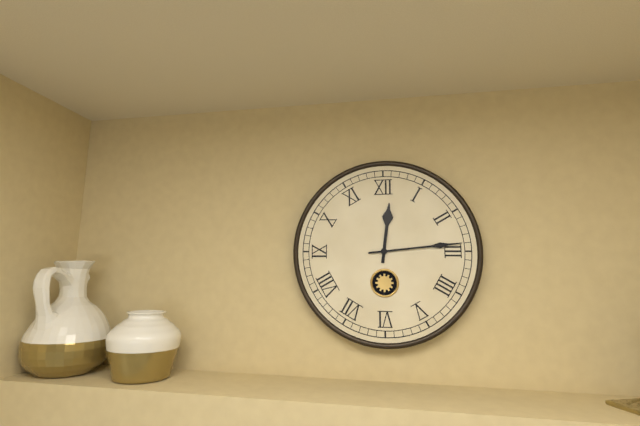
12:14
